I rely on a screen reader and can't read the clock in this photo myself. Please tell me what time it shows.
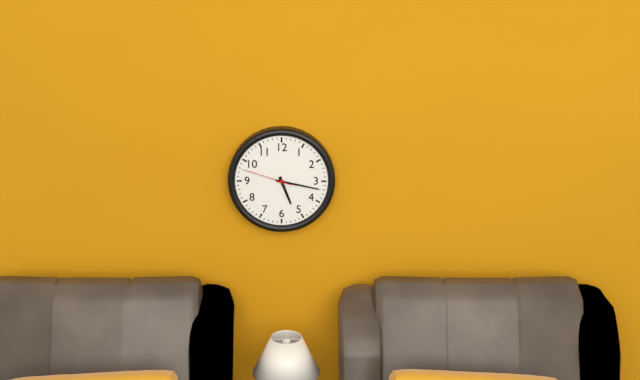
5:17:48
